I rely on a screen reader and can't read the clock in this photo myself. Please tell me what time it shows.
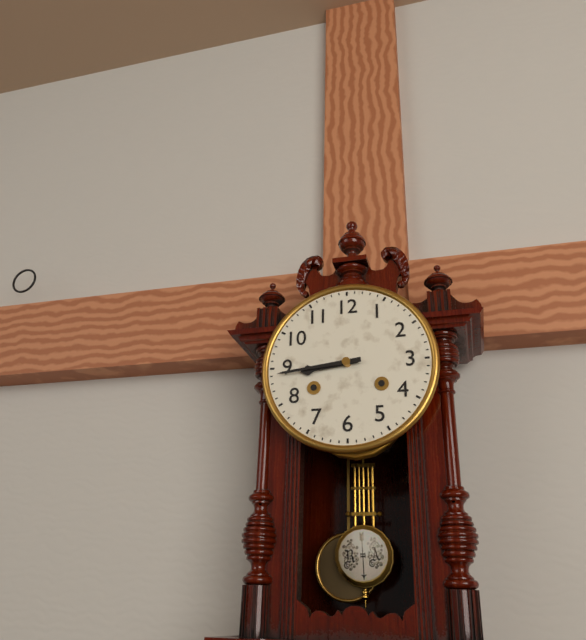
8:44
